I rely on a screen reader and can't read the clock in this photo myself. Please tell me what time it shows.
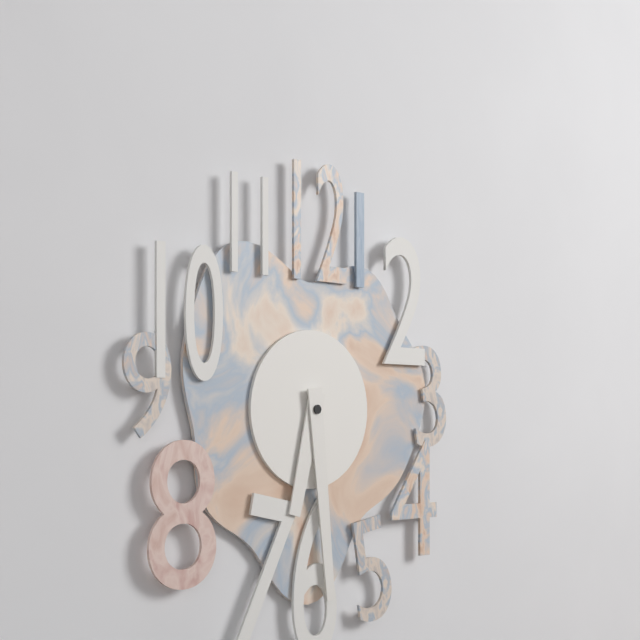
6:29
